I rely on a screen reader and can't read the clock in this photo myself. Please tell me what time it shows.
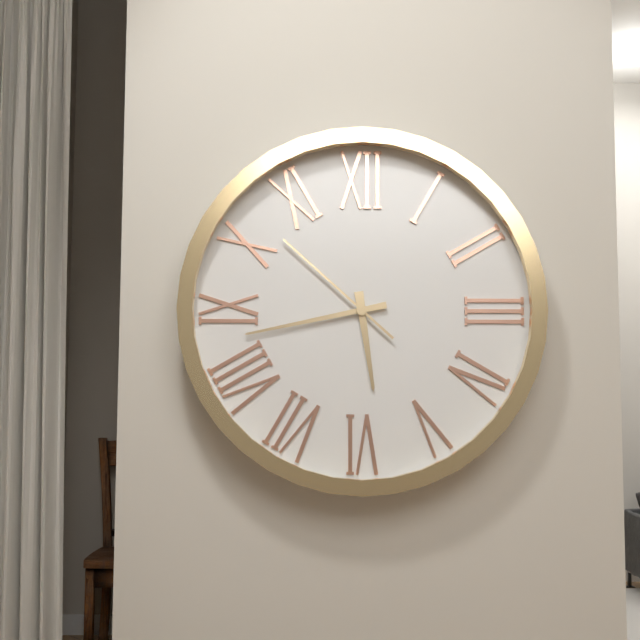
5:43:52
